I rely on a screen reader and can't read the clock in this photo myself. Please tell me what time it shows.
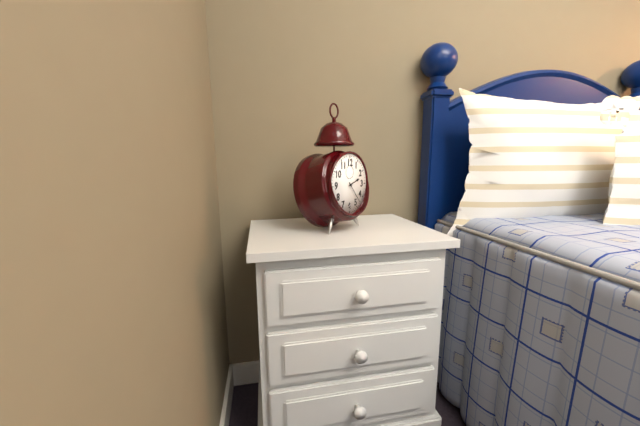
2:23
